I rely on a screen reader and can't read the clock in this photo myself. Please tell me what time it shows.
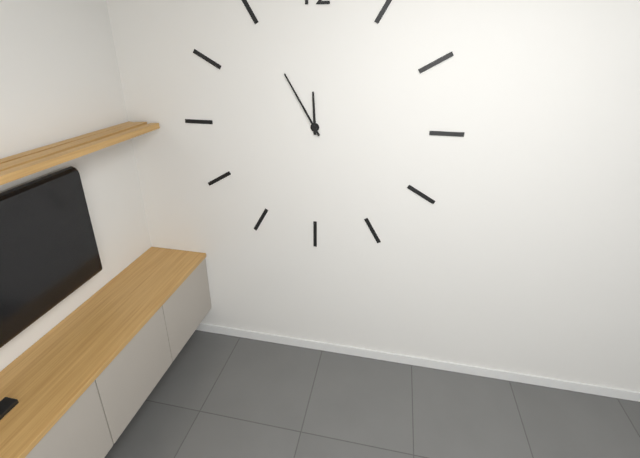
11:55
